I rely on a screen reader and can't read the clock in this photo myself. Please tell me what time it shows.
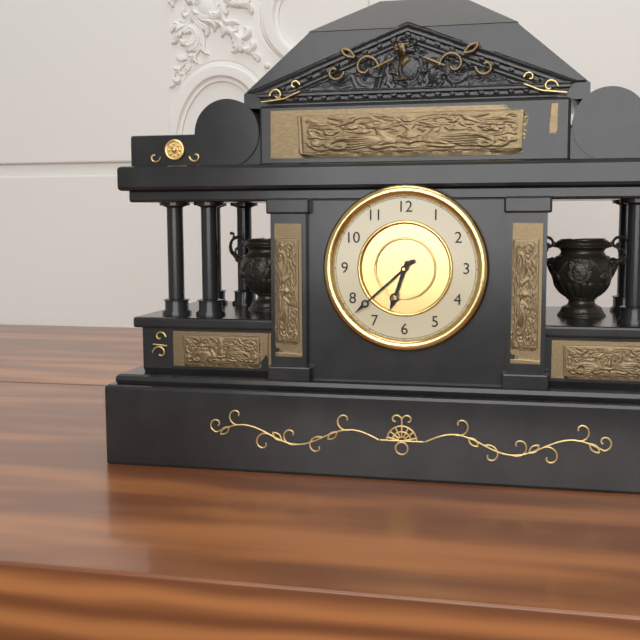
6:38
